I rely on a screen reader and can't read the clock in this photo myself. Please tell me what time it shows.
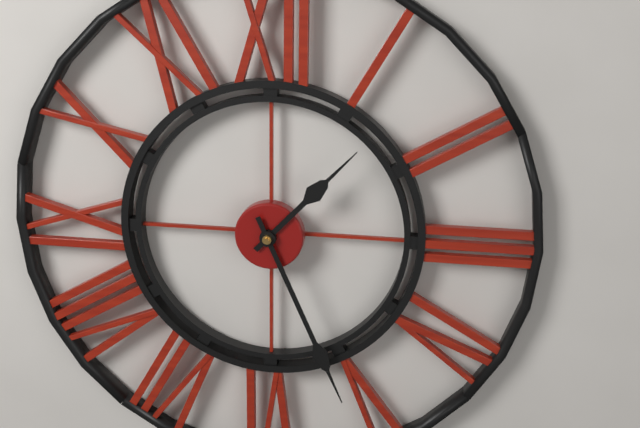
1:26
